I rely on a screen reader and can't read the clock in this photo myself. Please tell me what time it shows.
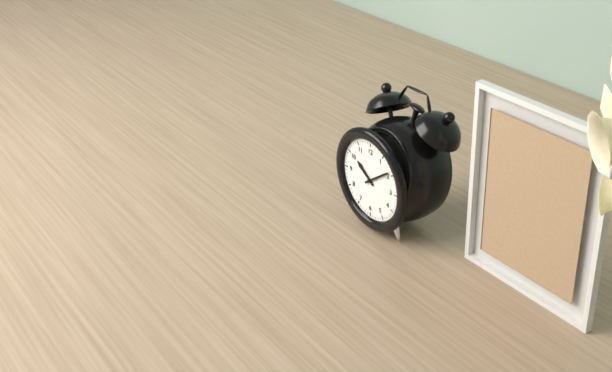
10:09
